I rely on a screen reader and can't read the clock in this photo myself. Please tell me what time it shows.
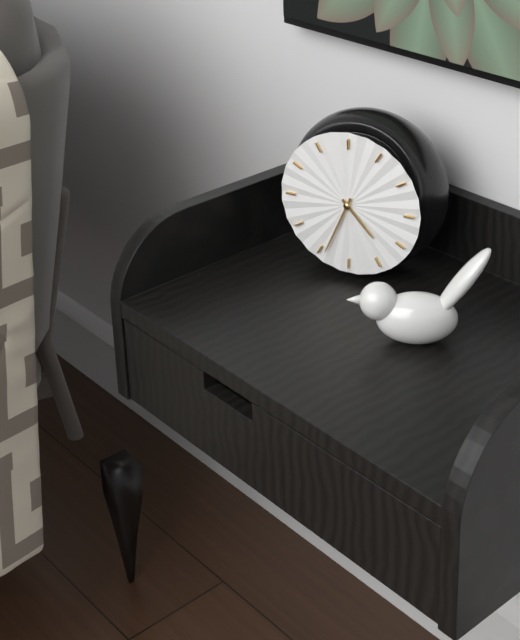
4:34
